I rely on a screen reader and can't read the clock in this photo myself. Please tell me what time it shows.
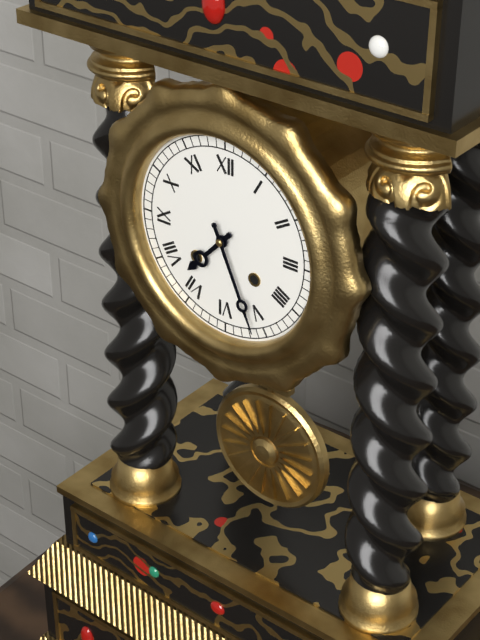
7:26
